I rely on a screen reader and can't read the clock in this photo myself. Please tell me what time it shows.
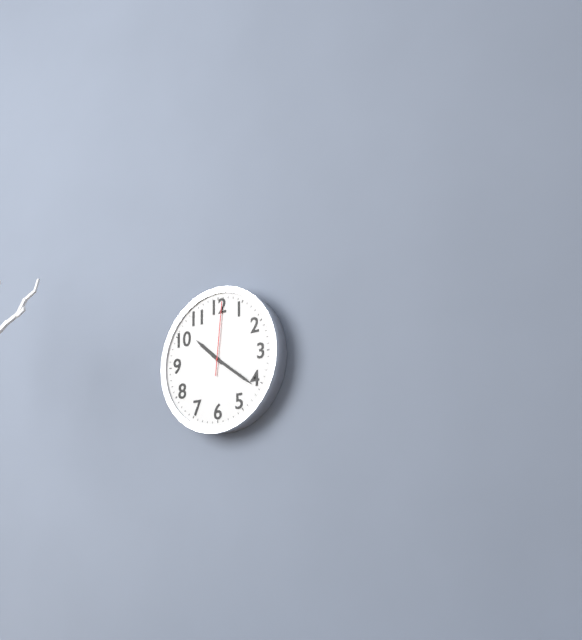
10:21:01
